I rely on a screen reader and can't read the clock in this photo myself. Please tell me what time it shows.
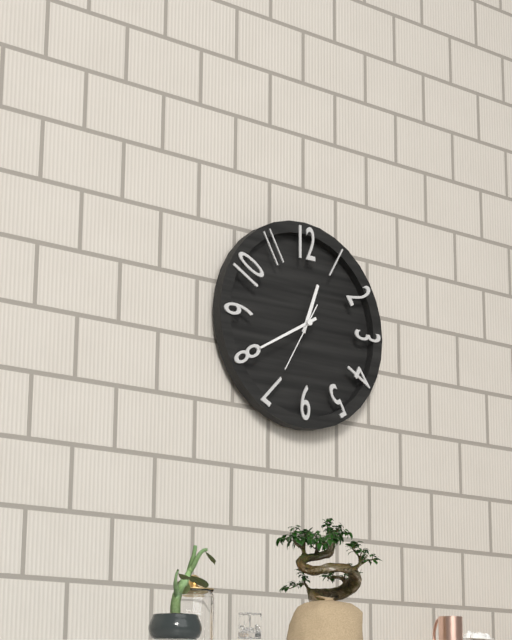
12:40:35
